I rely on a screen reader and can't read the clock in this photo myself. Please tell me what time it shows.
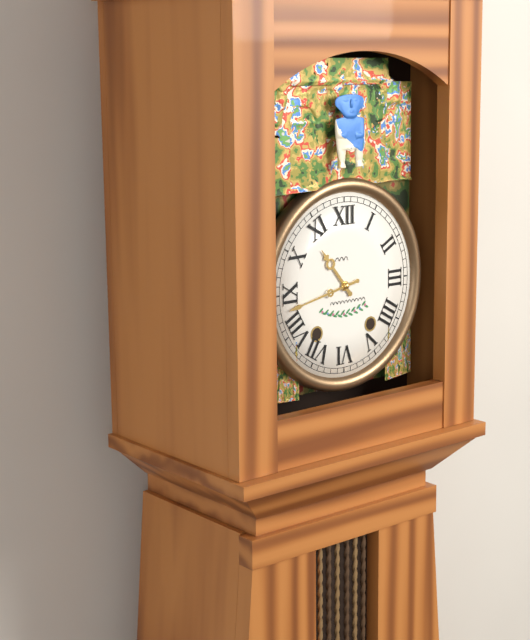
10:43
